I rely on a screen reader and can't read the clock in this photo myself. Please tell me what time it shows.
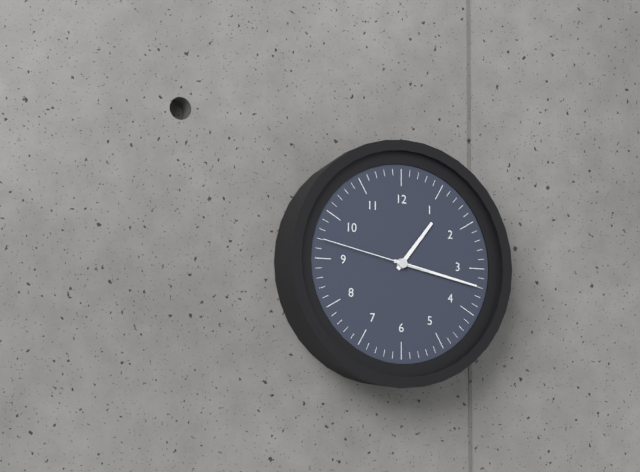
1:17:47
